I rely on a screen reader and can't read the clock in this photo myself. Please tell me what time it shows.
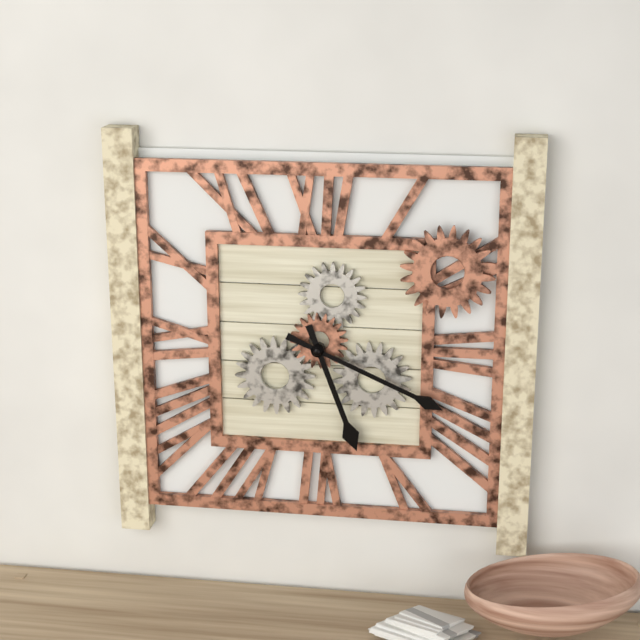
5:19
